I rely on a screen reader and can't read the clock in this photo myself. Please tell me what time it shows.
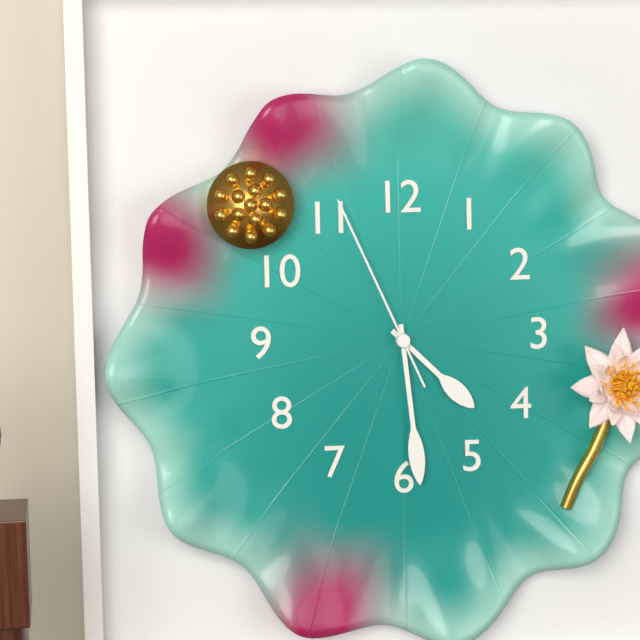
4:29:56
